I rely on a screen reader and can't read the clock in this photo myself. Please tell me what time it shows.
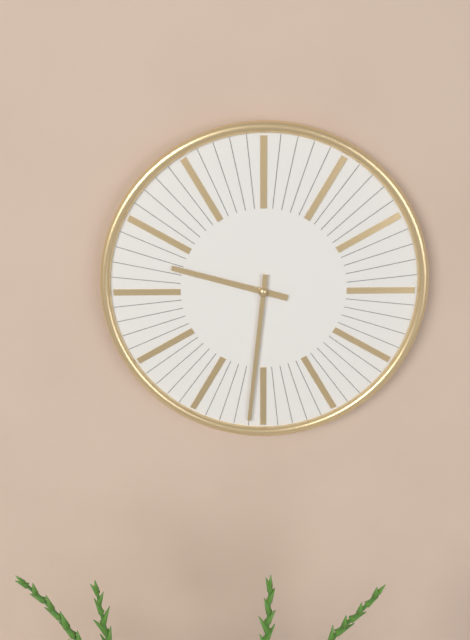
9:31
